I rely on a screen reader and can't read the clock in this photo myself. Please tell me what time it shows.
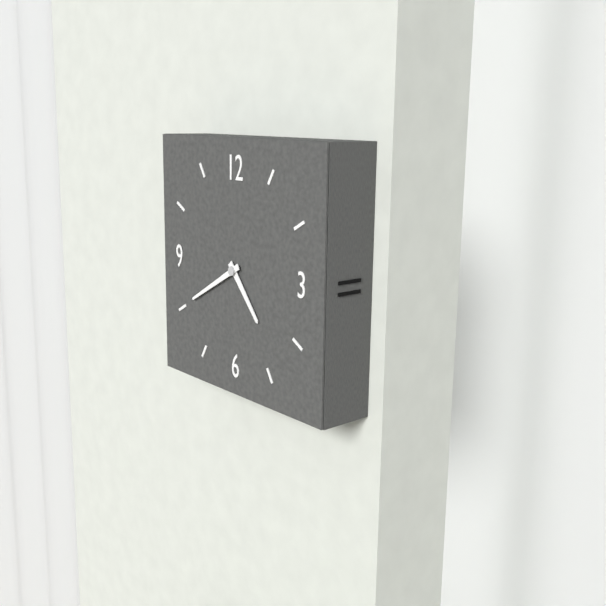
4:40
